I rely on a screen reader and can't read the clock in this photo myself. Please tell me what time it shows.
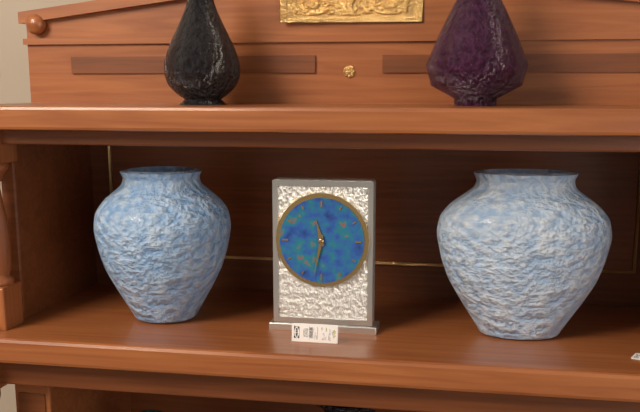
11:32
